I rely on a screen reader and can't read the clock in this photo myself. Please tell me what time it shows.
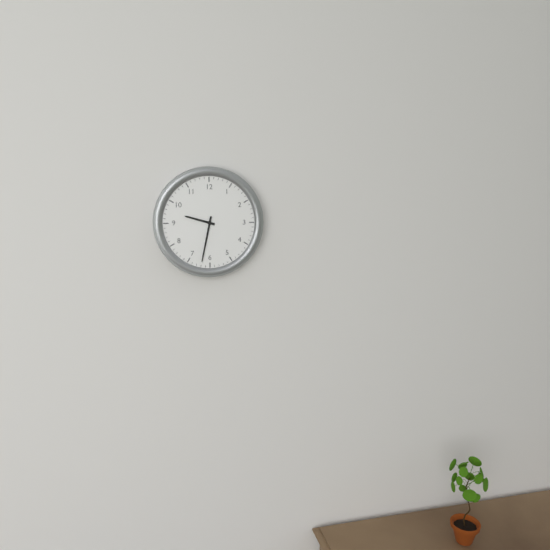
9:32
